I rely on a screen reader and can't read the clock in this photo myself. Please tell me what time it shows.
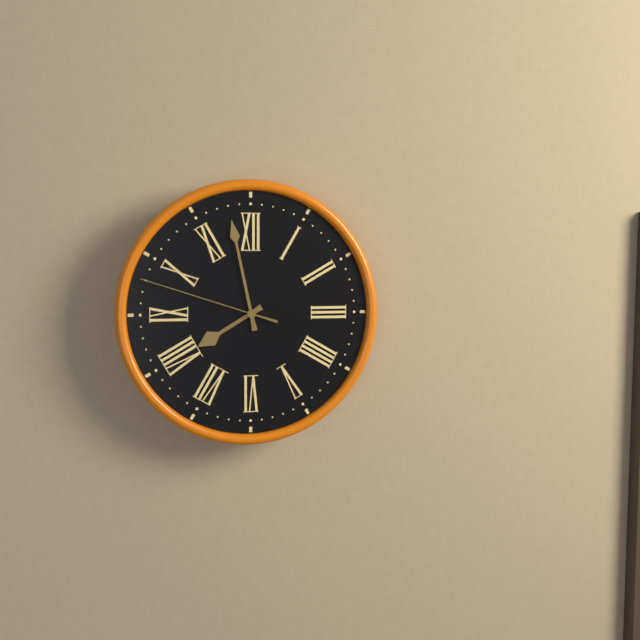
7:58:48
